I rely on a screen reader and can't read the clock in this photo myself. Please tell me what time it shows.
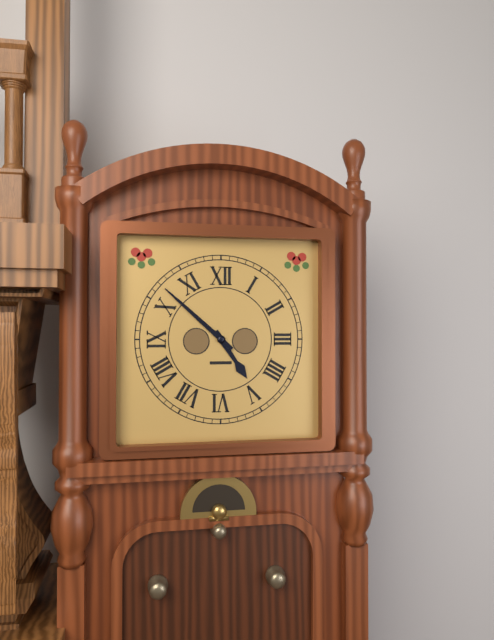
4:52
